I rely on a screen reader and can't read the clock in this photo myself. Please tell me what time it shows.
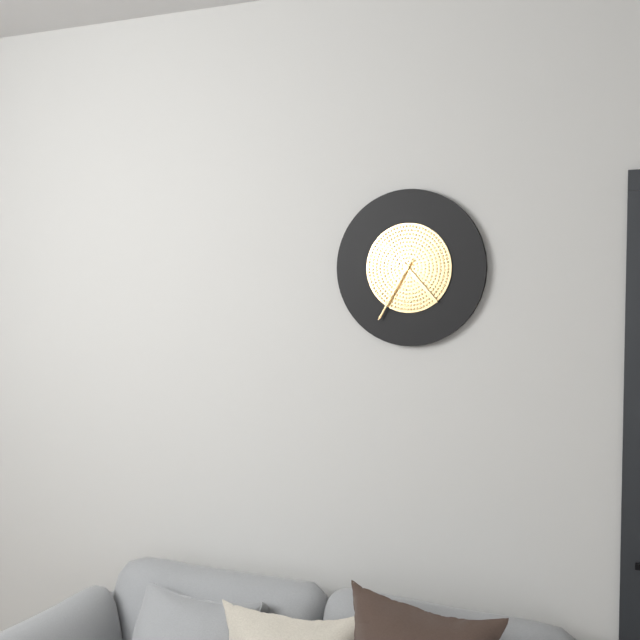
4:35:35
